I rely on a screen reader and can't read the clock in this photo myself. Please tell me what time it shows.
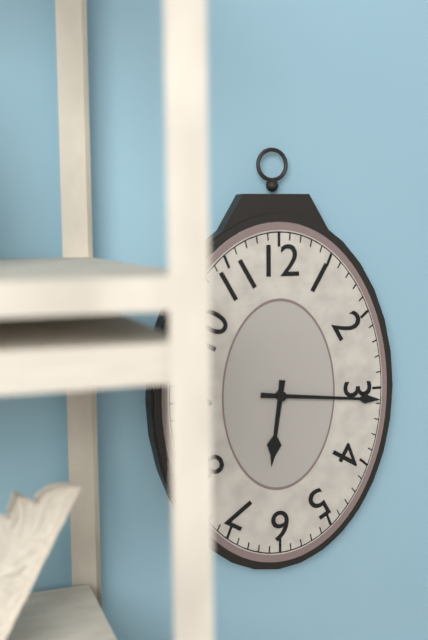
6:16
